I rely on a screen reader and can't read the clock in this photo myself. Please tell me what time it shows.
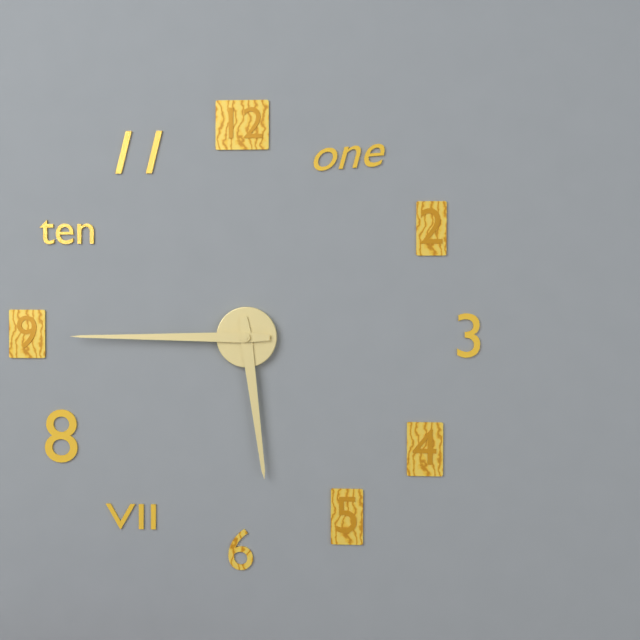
5:45
